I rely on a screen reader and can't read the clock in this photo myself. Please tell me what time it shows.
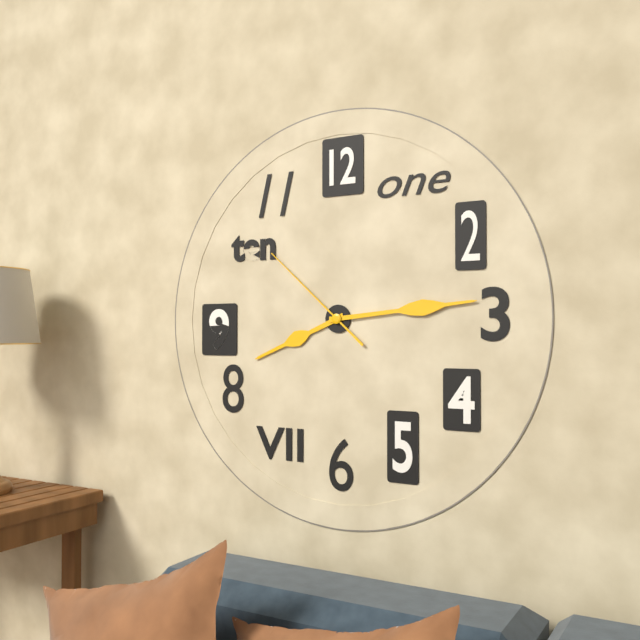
8:14:52
